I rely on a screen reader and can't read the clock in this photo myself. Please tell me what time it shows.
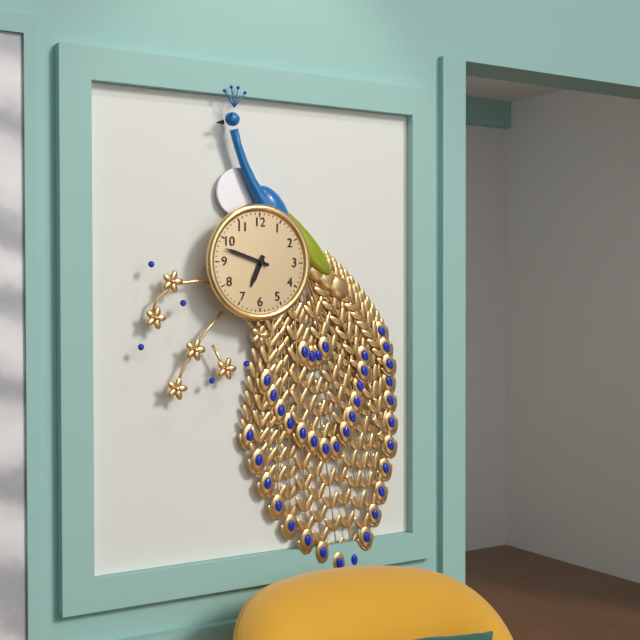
6:48
